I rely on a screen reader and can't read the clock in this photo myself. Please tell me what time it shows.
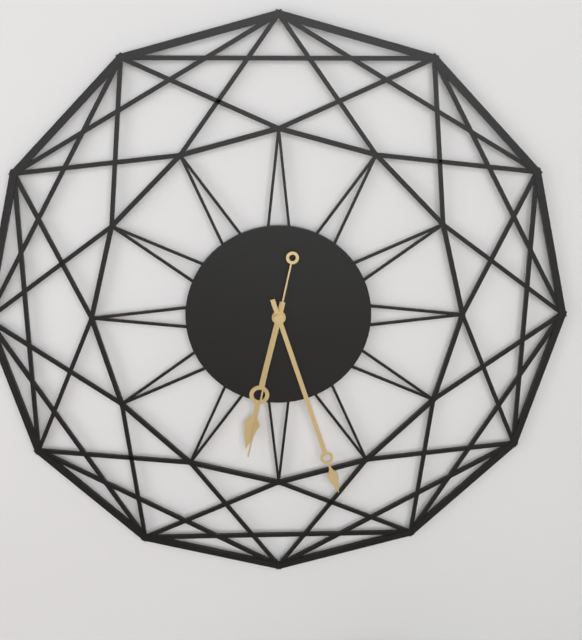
6:27:32
